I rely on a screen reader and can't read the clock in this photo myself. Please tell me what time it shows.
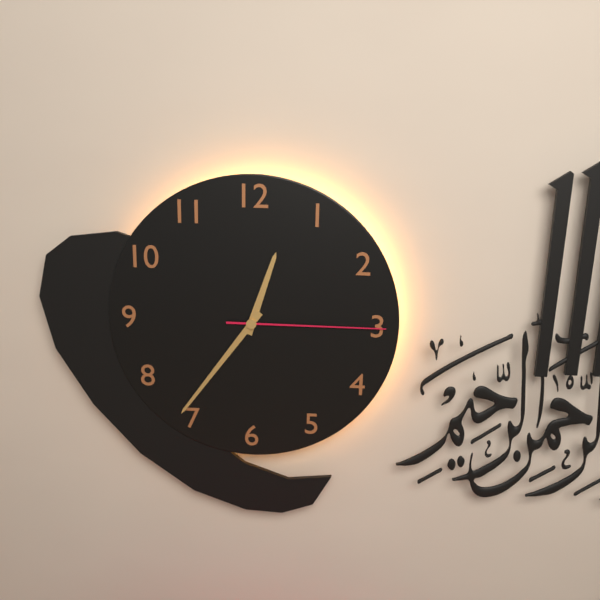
12:36:15
